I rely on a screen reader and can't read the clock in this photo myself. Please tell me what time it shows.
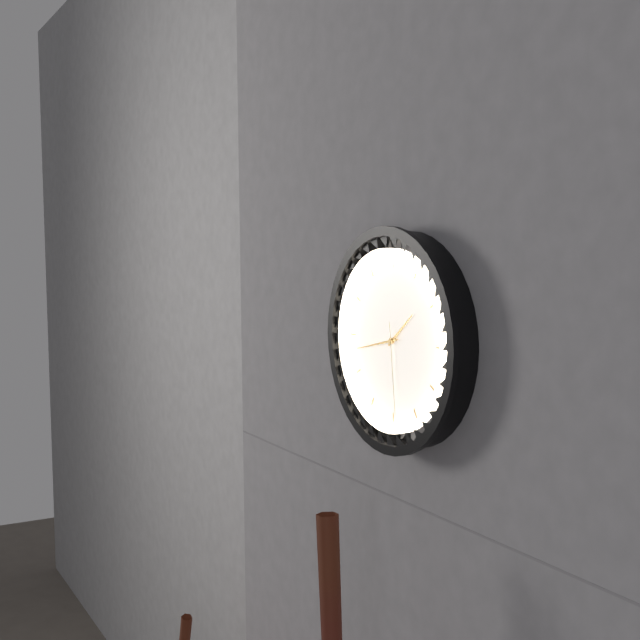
1:43:29
